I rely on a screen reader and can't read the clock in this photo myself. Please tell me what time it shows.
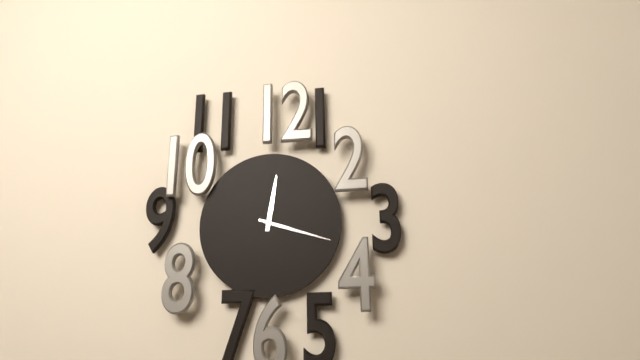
12:18
